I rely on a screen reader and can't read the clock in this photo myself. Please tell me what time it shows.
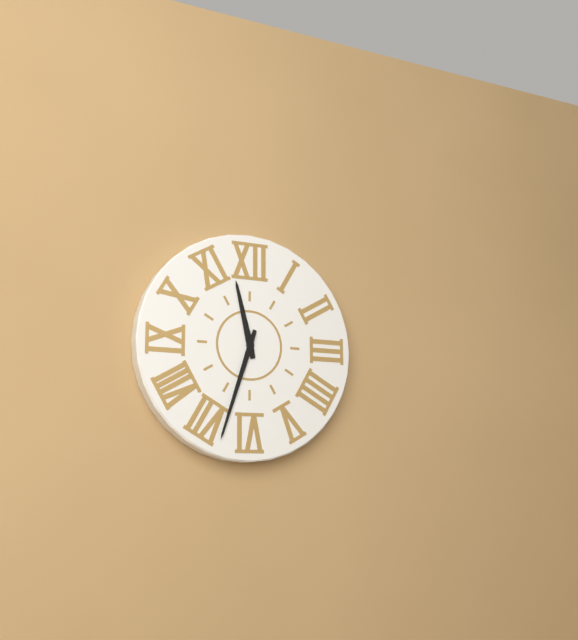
11:33
